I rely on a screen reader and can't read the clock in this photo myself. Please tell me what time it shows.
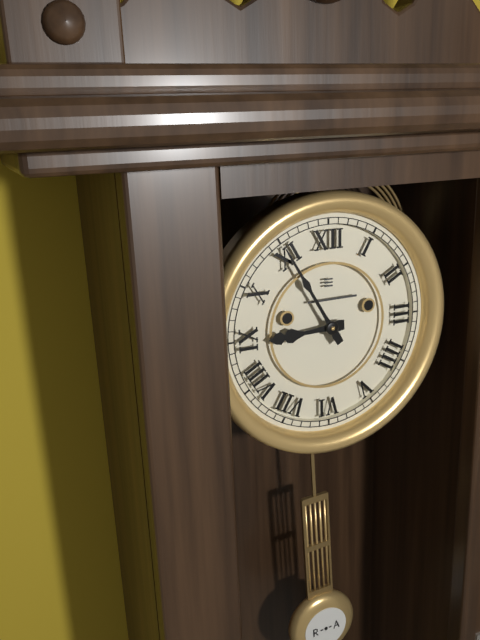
8:55
